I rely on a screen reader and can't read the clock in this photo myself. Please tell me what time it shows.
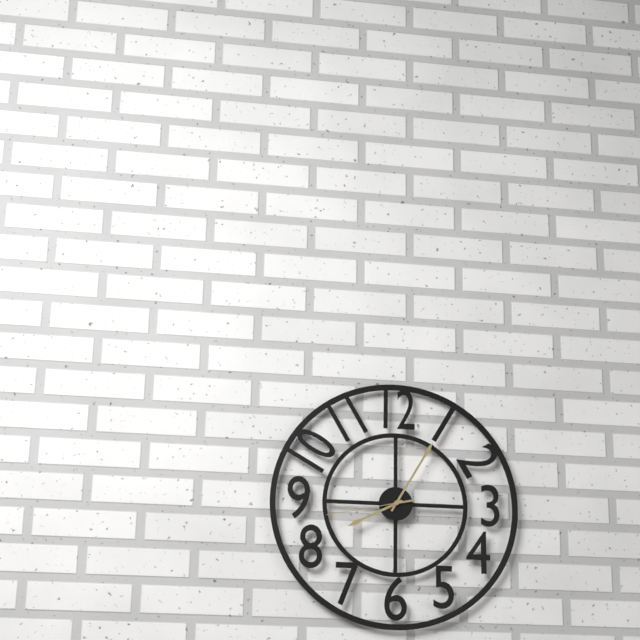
8:05:43
